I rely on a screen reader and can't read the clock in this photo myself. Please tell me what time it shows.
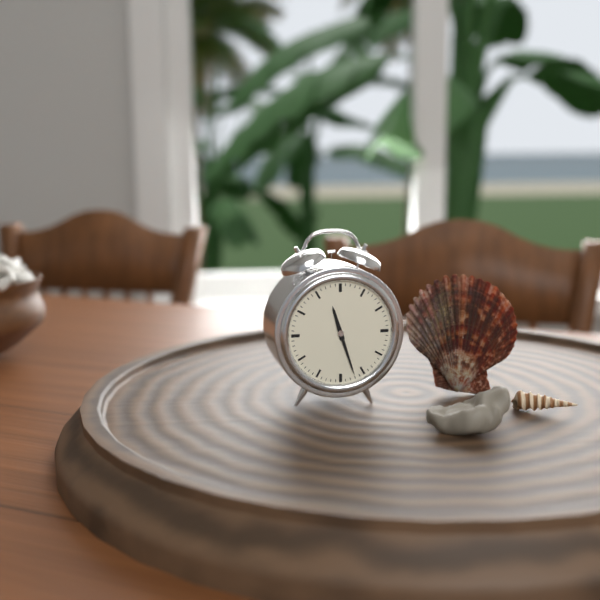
11:27
